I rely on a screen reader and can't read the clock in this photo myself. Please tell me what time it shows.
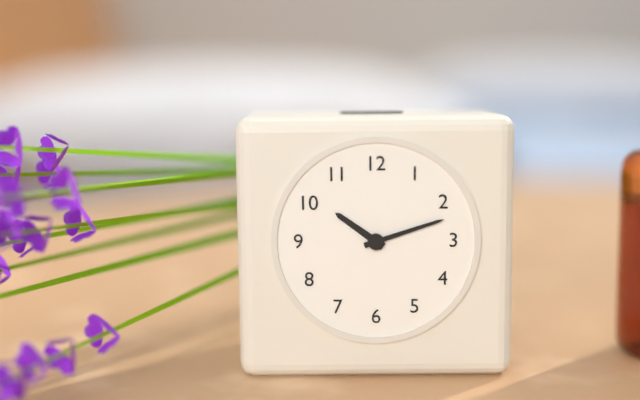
10:12
